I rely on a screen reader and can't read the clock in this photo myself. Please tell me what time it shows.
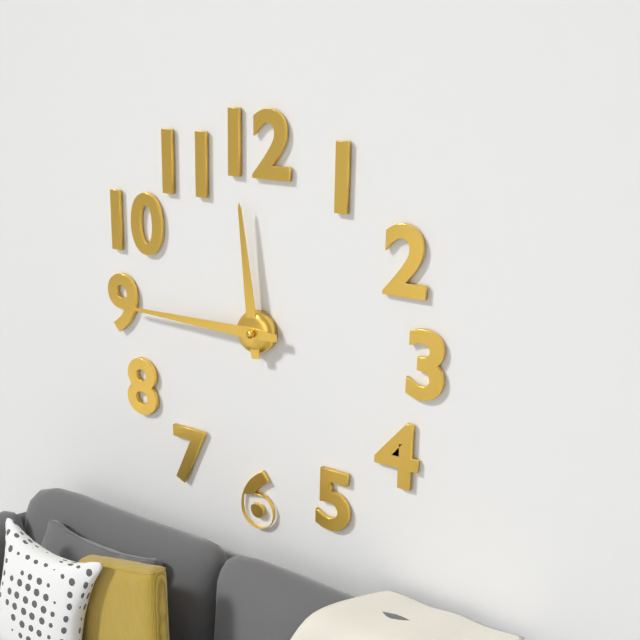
11:45
